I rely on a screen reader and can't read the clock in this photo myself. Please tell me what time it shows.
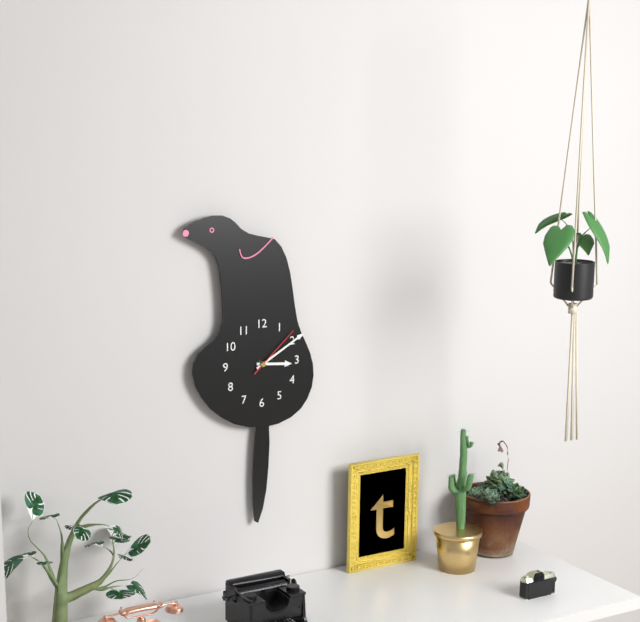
3:10:08
